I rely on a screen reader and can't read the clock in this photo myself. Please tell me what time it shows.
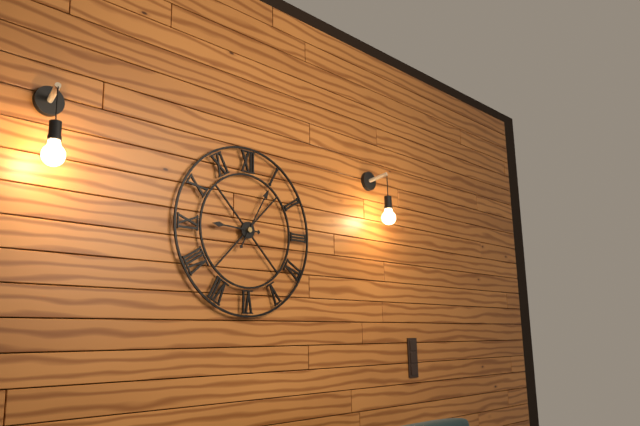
9:05
